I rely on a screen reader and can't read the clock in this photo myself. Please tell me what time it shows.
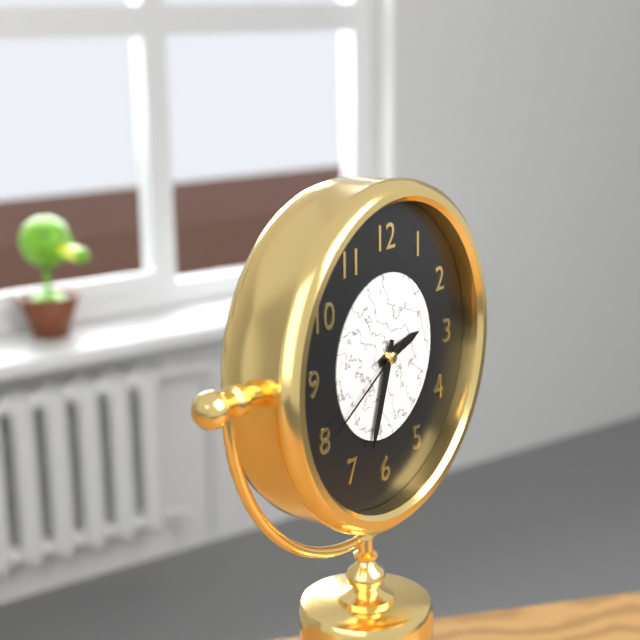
2:33:40
